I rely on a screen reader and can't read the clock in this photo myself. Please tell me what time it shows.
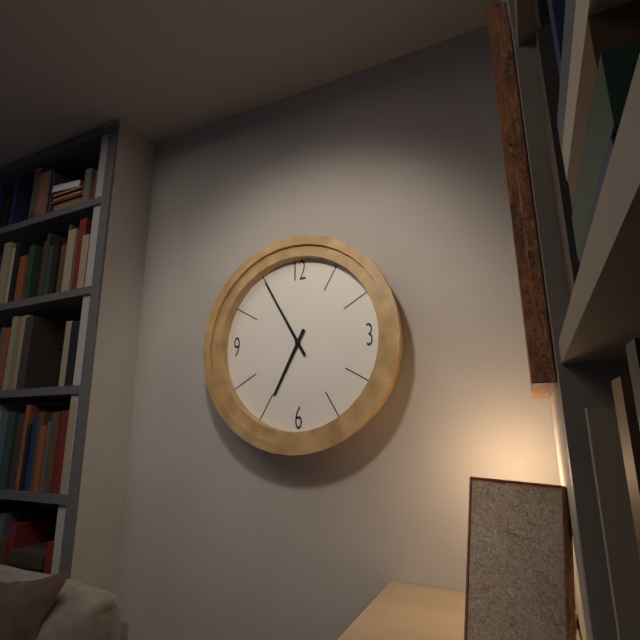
6:55
